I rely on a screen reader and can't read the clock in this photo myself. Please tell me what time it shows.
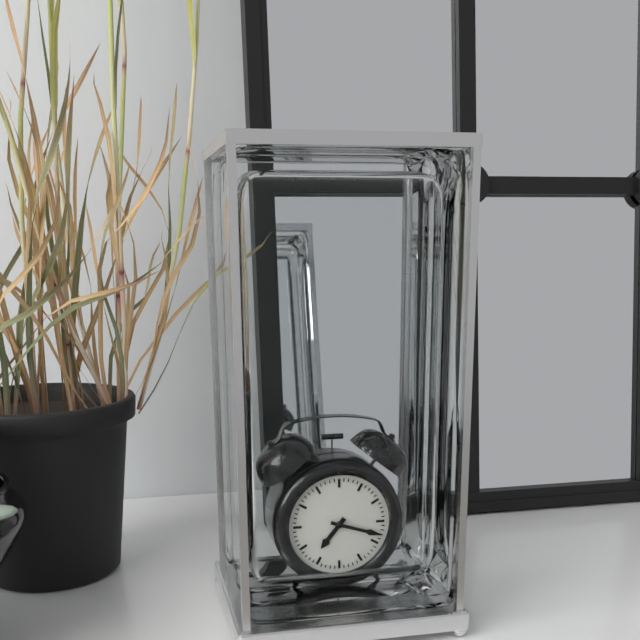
7:18
